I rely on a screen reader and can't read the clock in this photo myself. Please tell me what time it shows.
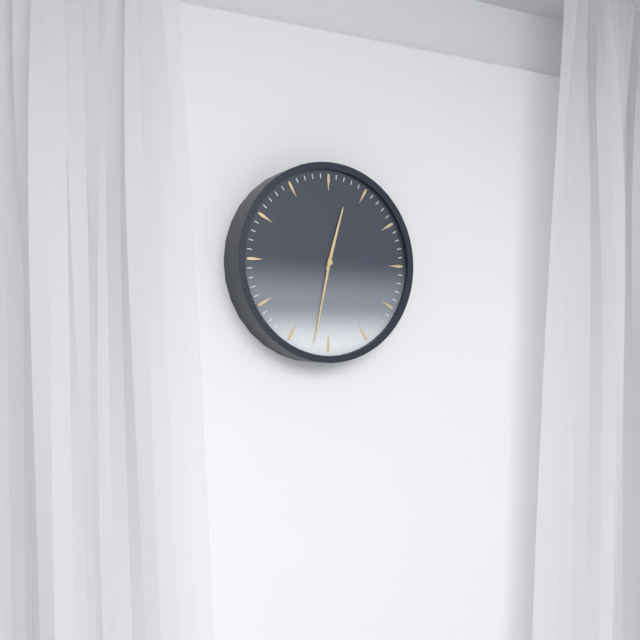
12:32
